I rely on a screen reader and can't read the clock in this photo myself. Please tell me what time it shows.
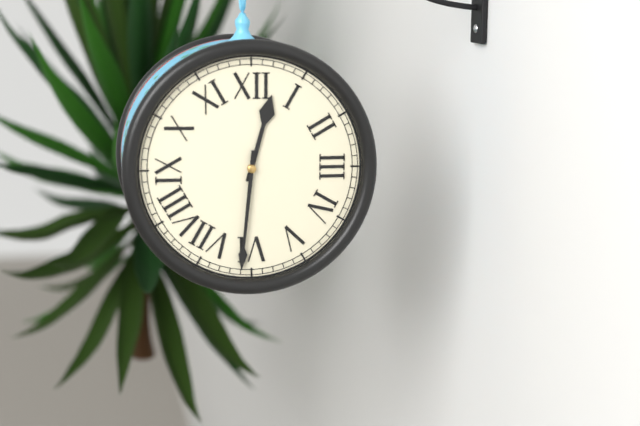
12:31
